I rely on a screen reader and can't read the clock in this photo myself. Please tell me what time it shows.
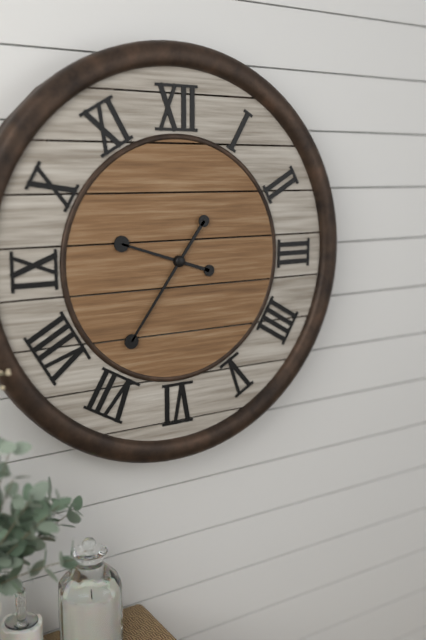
9:36
